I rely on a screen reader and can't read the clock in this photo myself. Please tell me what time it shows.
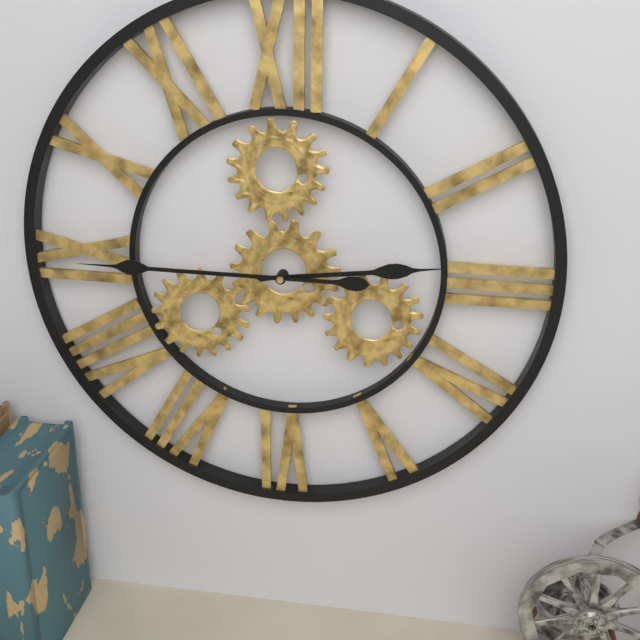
2:45
